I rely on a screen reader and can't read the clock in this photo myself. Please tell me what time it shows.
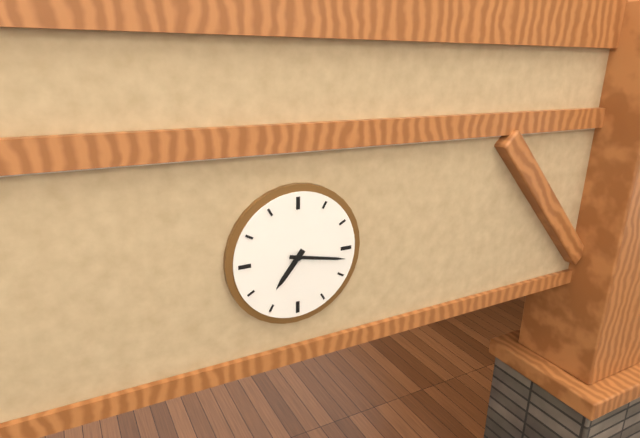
7:17
